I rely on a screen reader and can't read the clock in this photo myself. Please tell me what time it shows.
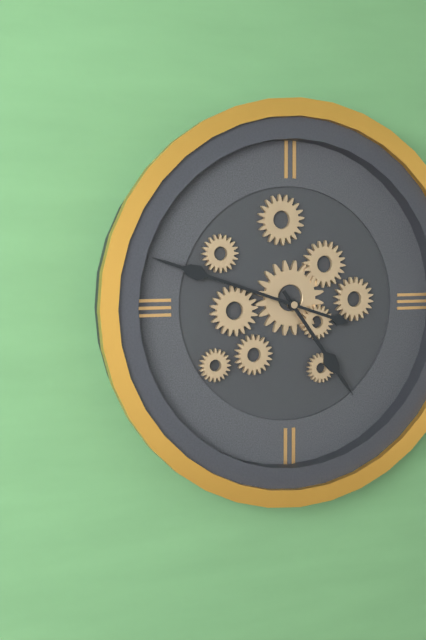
4:48
